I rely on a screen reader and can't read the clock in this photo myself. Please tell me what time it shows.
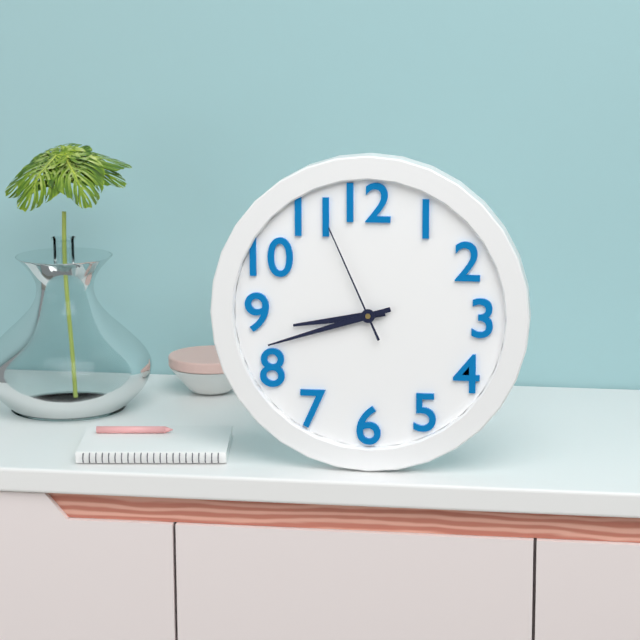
8:42:56
